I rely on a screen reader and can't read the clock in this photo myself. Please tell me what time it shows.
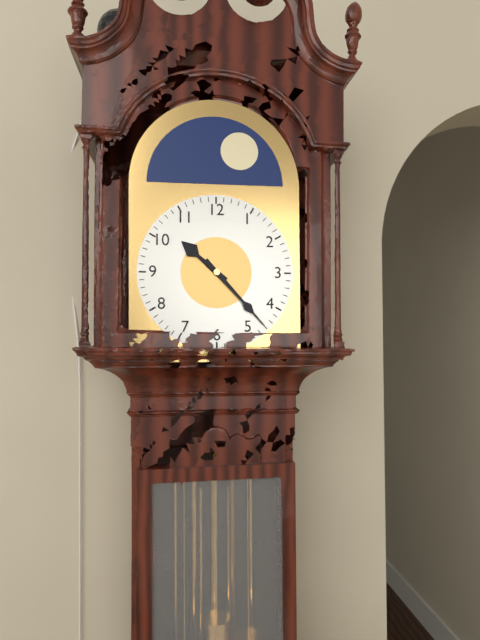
10:23
